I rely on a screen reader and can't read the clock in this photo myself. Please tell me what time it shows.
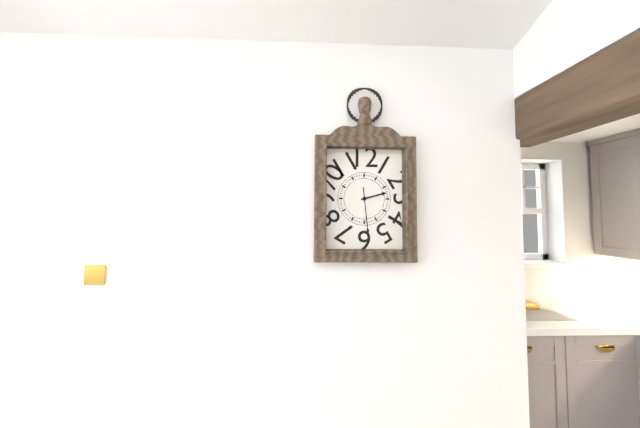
2:29
